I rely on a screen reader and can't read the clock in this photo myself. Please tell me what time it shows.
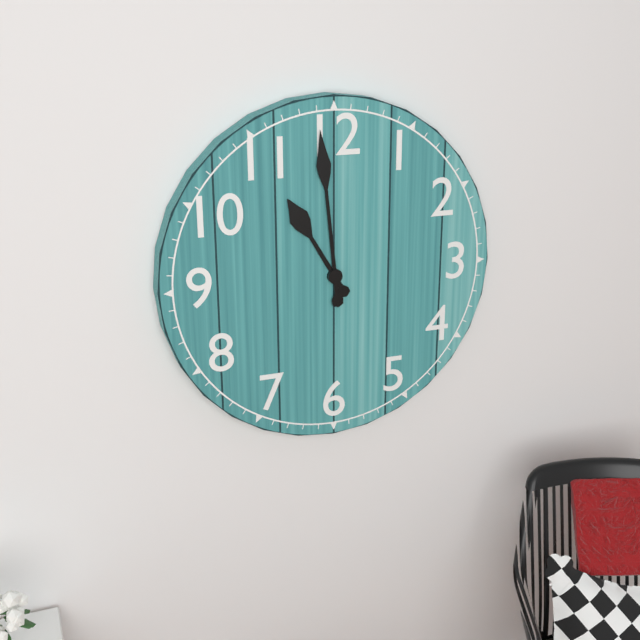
10:59
